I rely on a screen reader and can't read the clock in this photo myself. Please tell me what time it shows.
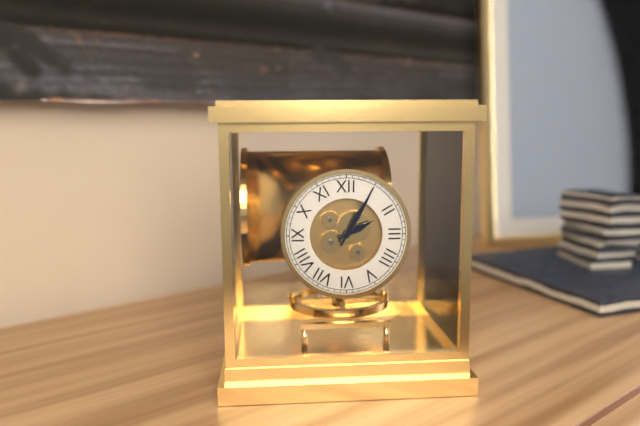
2:05
